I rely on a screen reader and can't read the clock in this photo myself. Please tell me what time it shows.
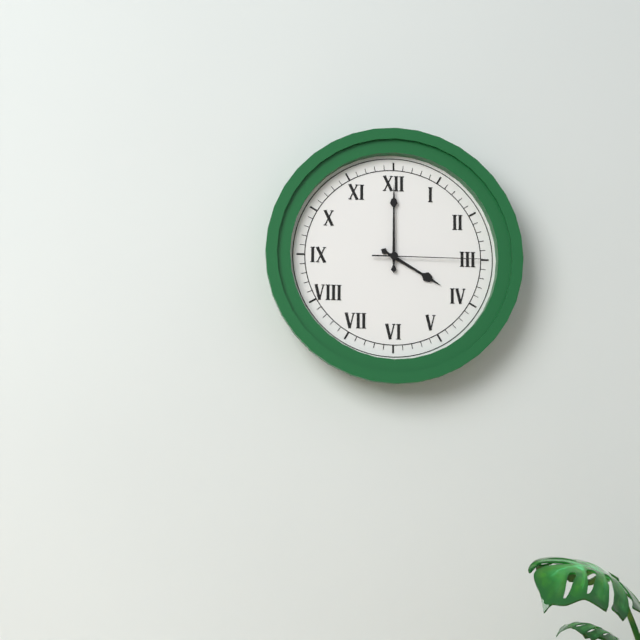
4:00:15
